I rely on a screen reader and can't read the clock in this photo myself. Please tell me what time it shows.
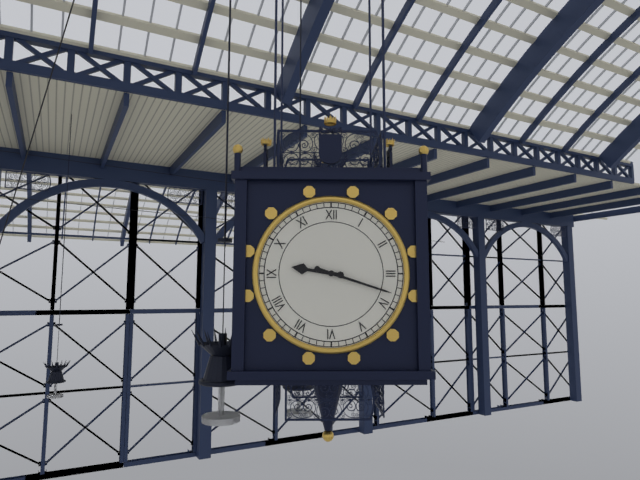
9:18
